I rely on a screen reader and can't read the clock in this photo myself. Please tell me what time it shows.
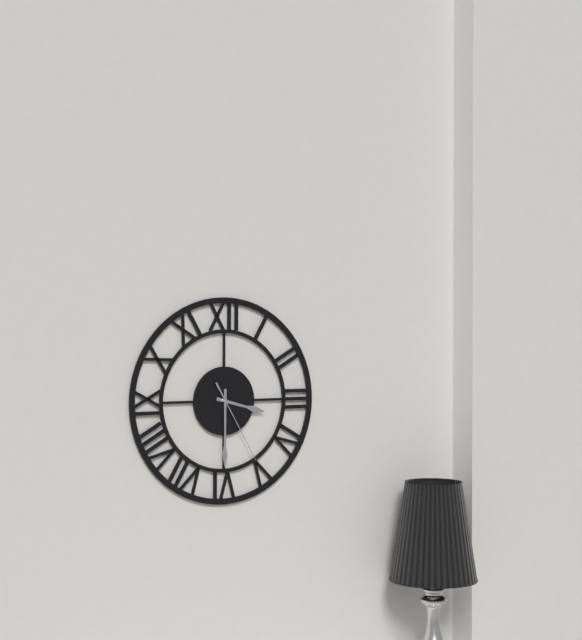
3:30:25
